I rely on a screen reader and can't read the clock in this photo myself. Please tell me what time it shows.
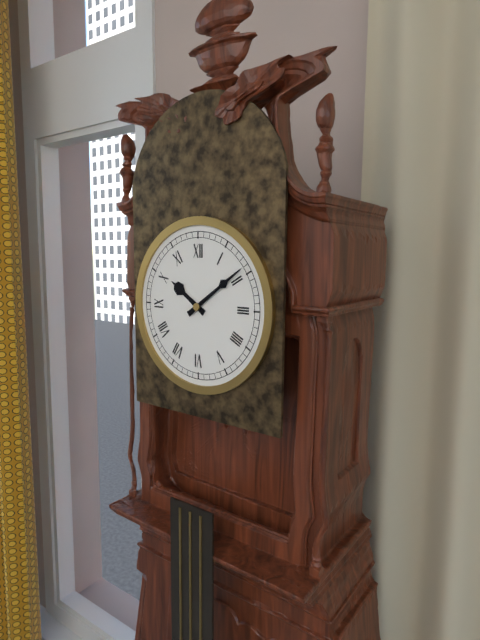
10:09
